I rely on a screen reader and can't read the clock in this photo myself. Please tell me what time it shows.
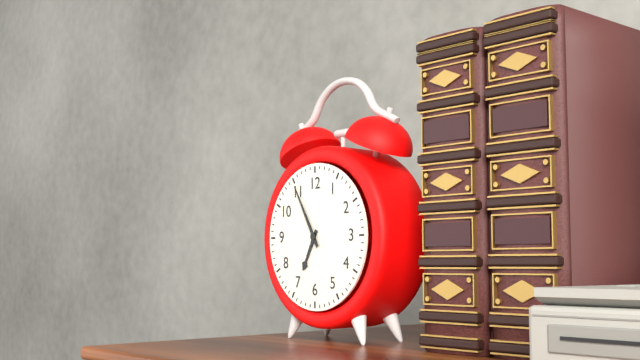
6:55
